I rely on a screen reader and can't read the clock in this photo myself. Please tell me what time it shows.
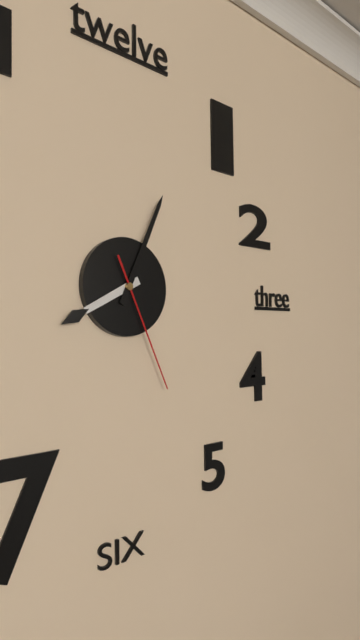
8:04:26
